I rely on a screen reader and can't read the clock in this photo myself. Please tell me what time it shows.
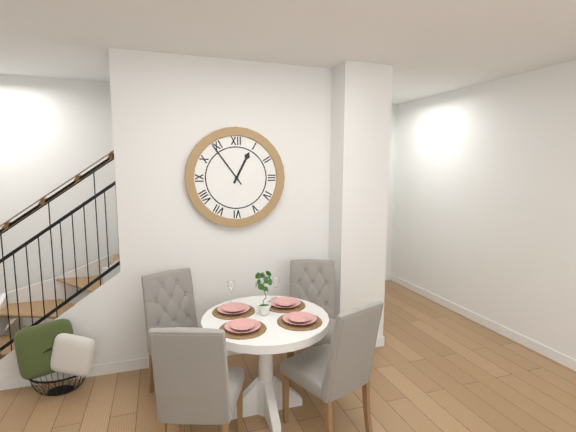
12:54
